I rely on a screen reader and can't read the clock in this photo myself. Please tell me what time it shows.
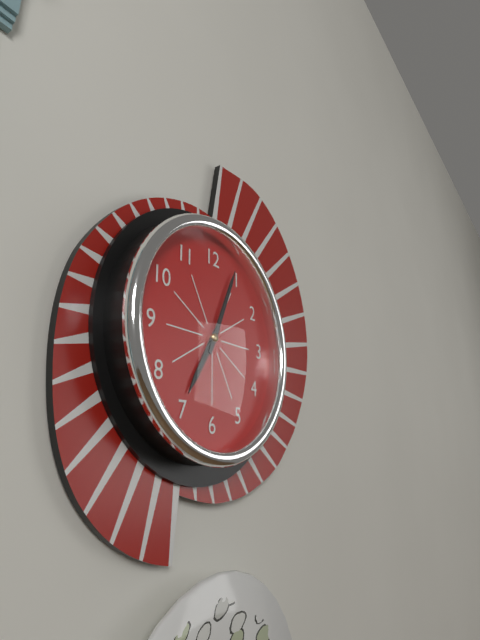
7:04
